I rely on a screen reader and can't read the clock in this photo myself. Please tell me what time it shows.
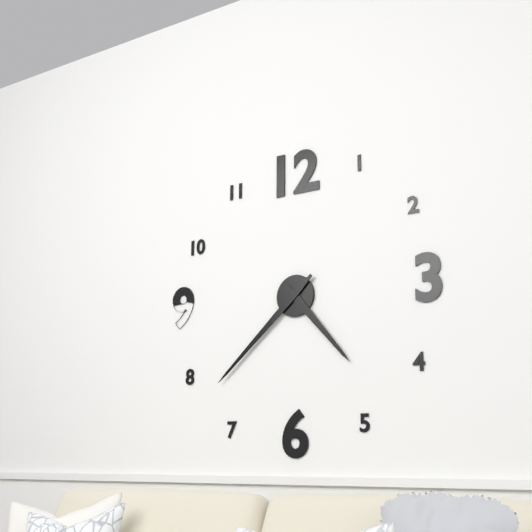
4:38
